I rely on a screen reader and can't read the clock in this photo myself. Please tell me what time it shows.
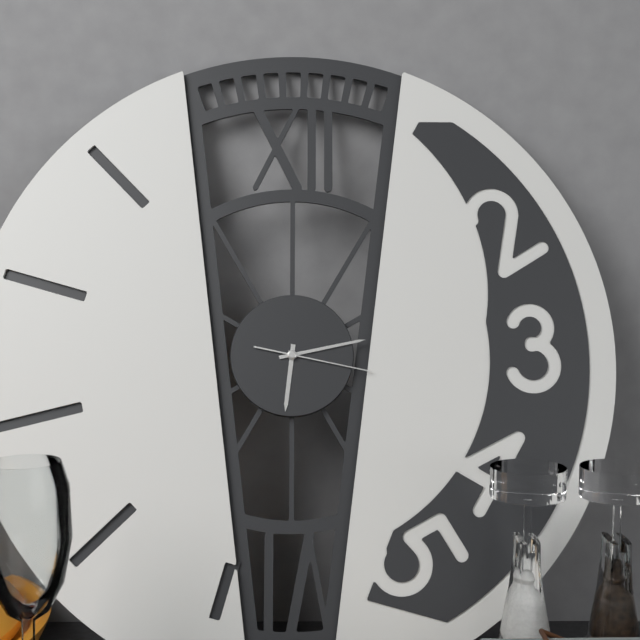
6:13:17
